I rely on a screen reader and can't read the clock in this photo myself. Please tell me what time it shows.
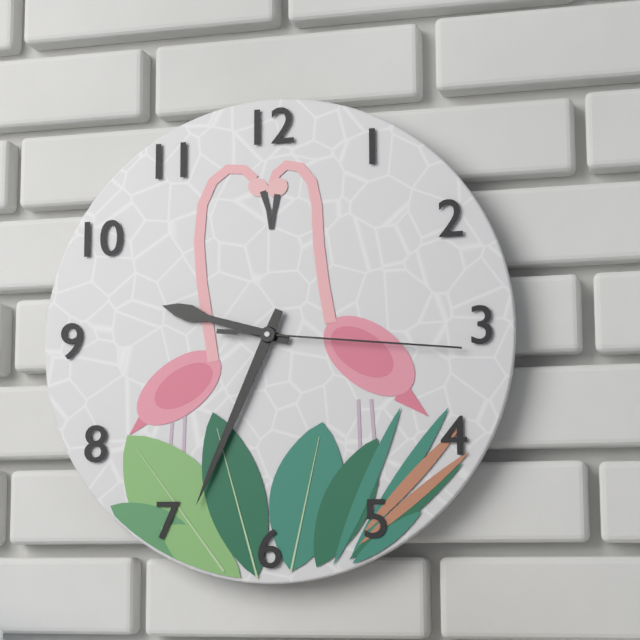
9:34:16
